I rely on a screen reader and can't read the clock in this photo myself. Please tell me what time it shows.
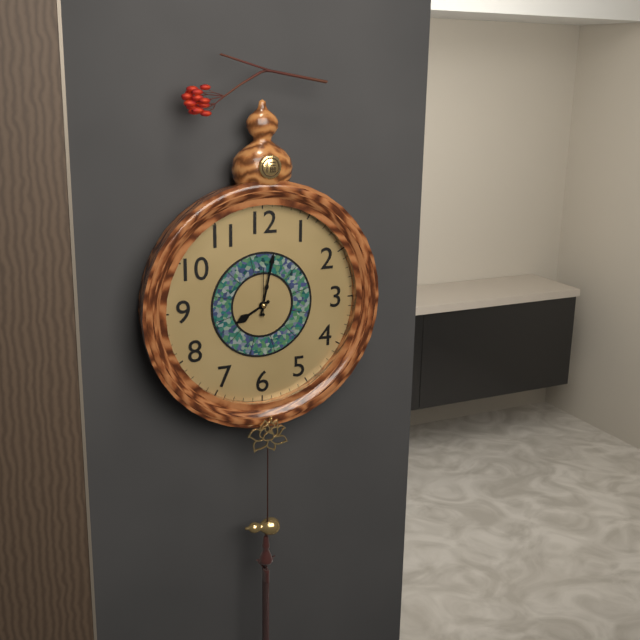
8:02
